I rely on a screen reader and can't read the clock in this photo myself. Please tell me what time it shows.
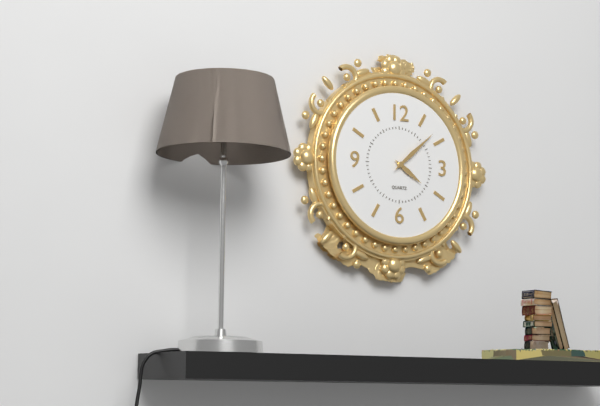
4:08
